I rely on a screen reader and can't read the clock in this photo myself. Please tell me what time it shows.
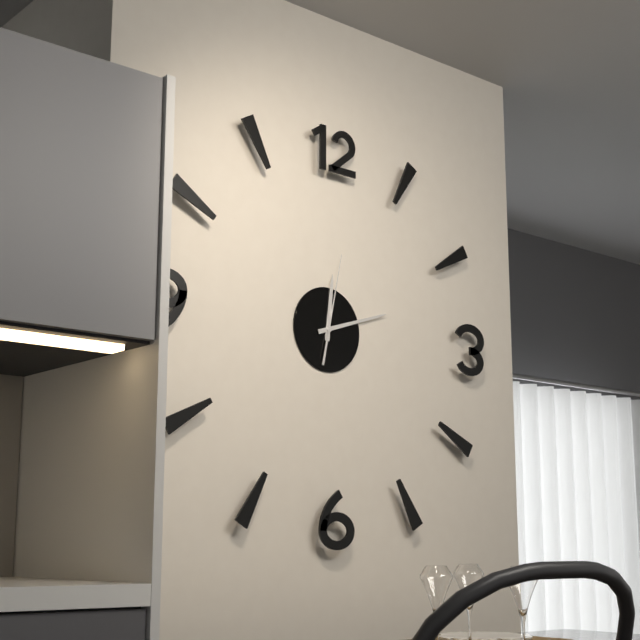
12:12:02
